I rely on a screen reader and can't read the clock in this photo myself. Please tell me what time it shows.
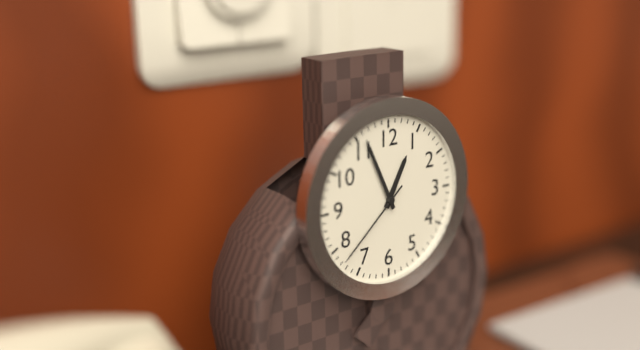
12:56:38
